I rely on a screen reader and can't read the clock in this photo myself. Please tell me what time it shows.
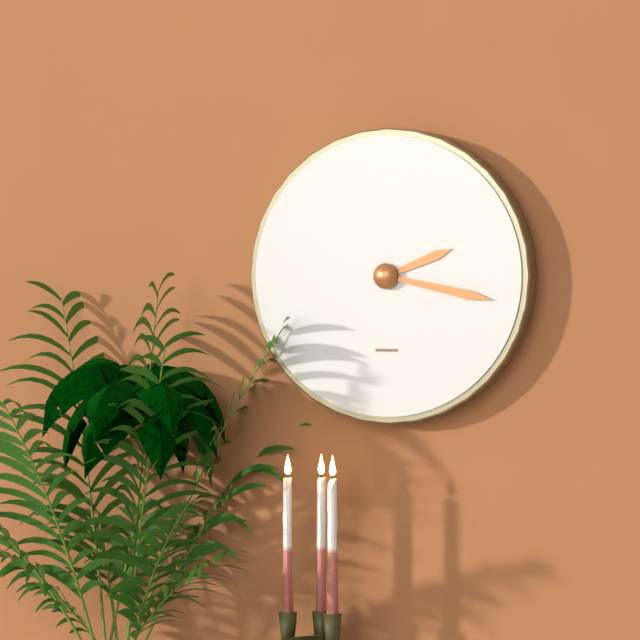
2:17
